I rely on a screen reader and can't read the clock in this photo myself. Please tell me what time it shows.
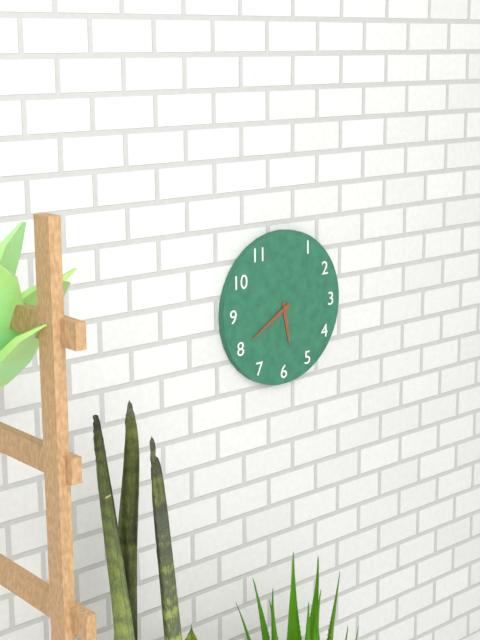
5:40
